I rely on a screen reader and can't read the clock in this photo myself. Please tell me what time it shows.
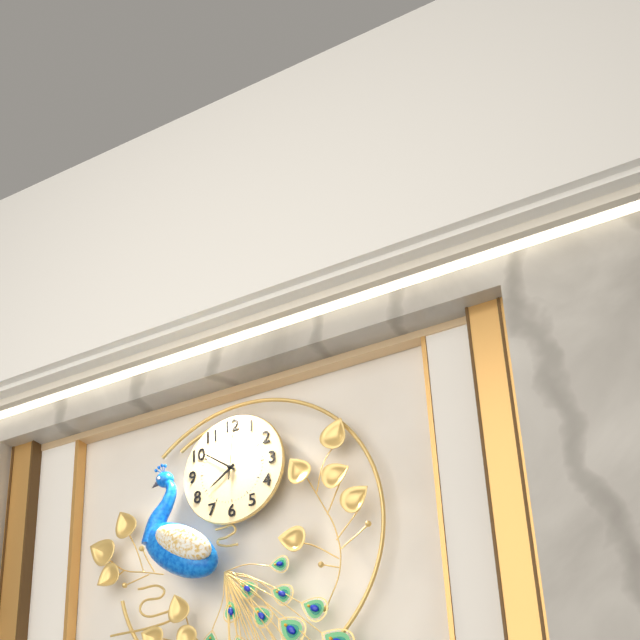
7:51:01
